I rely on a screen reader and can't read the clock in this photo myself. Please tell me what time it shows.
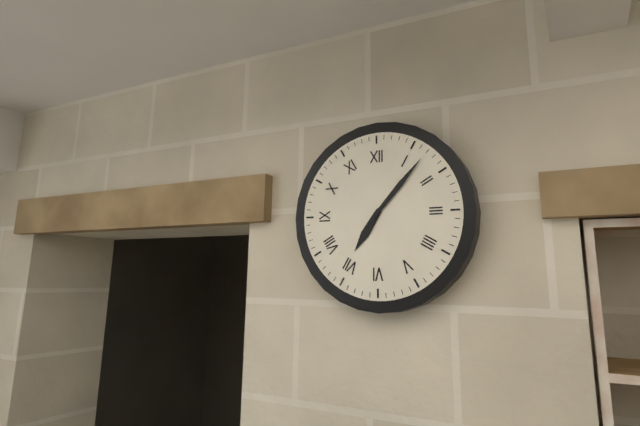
7:07
